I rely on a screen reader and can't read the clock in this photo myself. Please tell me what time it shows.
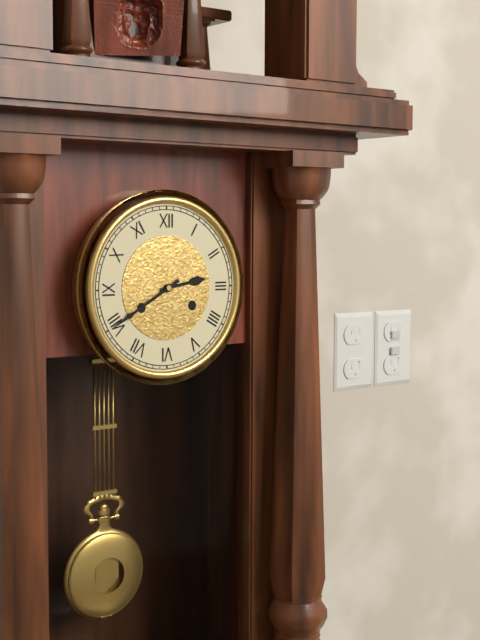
2:40
